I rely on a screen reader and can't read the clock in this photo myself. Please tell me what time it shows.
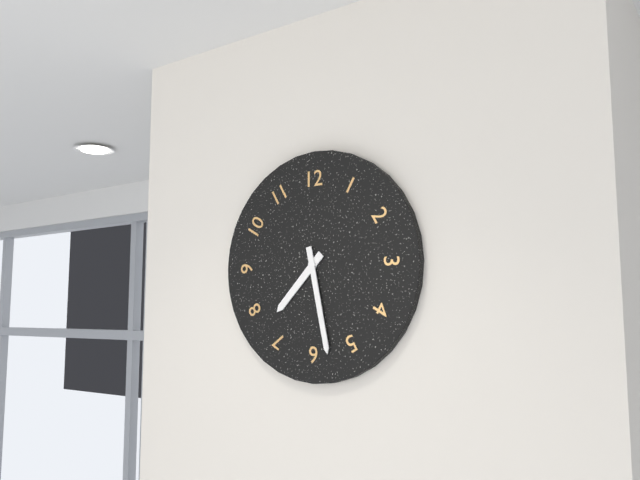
7:28
